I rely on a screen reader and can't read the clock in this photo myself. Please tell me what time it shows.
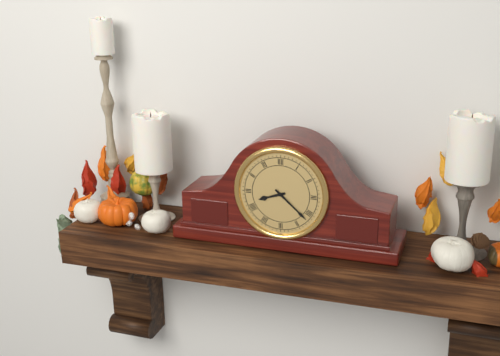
8:22
